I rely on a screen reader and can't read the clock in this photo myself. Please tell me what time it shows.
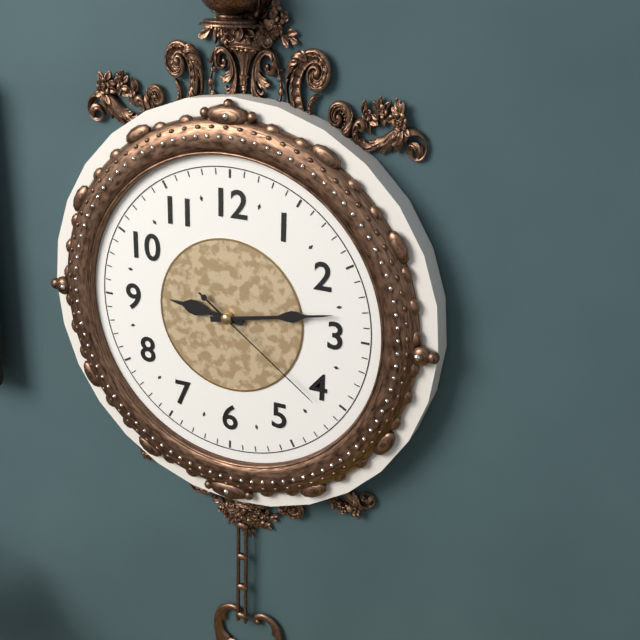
9:13:21
